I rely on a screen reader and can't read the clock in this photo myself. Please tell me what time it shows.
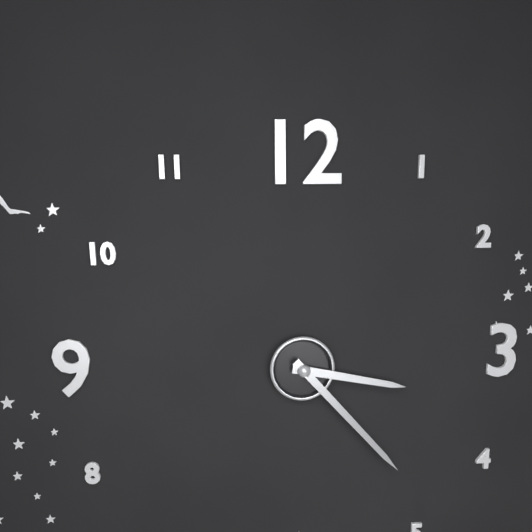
3:23
